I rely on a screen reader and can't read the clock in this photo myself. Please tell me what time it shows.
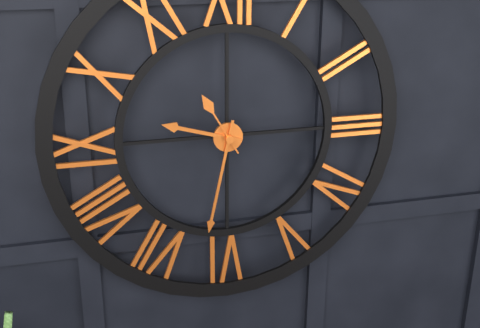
9:32:55
